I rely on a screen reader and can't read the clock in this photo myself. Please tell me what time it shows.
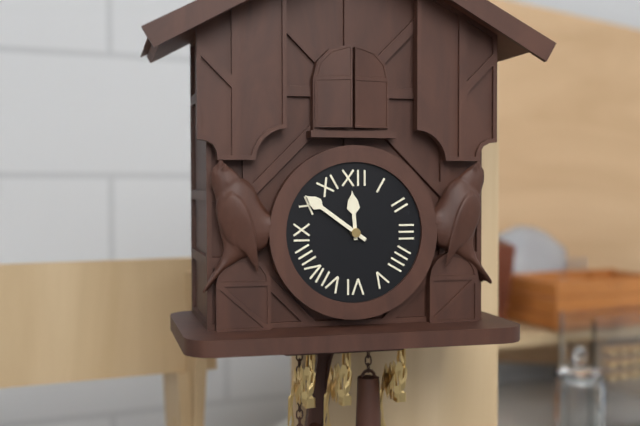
11:51
